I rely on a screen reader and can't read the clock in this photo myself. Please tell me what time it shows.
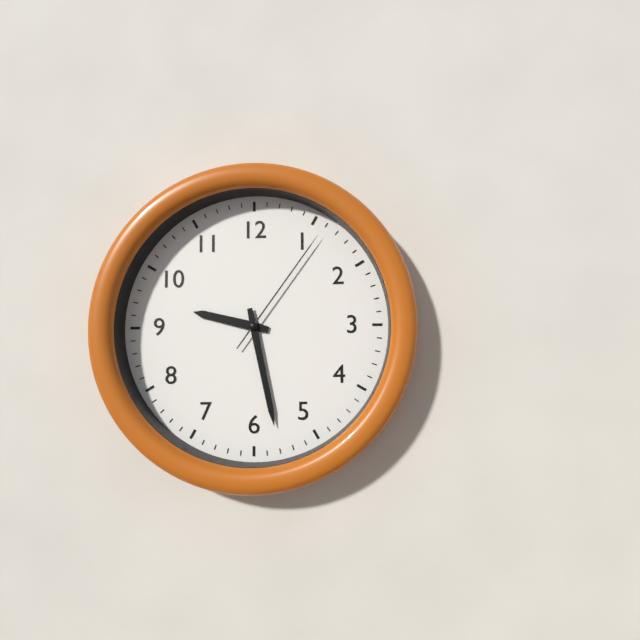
9:28:06
